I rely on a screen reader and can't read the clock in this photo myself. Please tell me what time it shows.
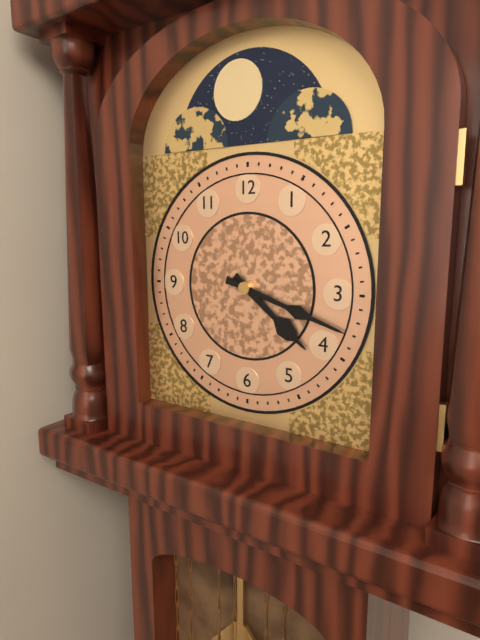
4:18
